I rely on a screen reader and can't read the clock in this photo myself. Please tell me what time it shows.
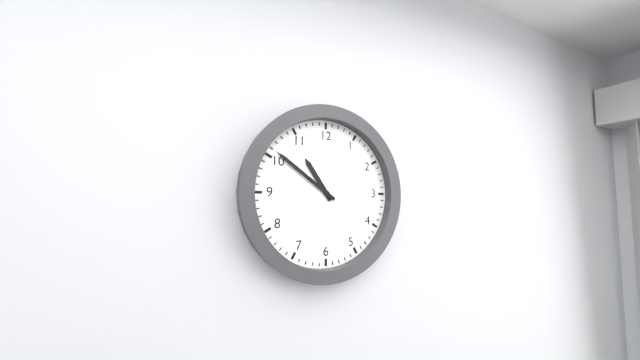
10:51
